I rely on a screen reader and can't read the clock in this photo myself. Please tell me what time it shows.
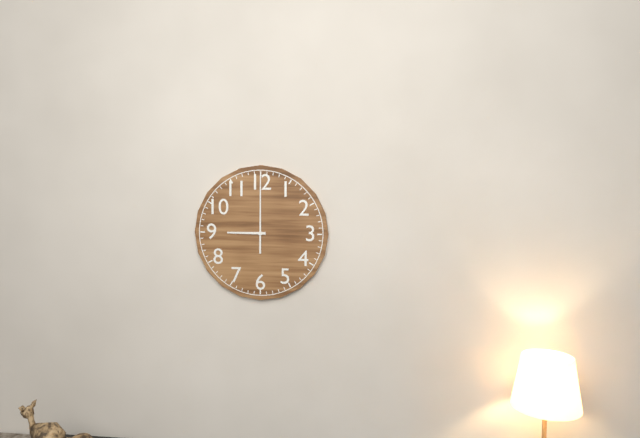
9:00
